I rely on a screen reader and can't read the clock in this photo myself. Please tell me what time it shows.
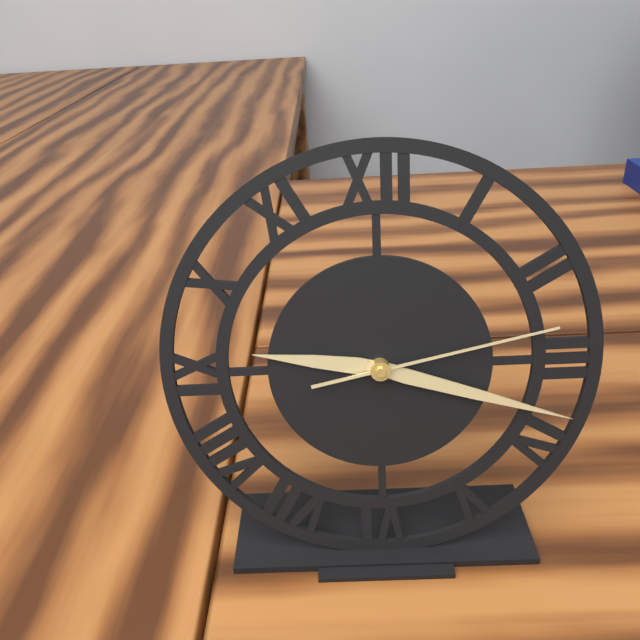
9:18:13
